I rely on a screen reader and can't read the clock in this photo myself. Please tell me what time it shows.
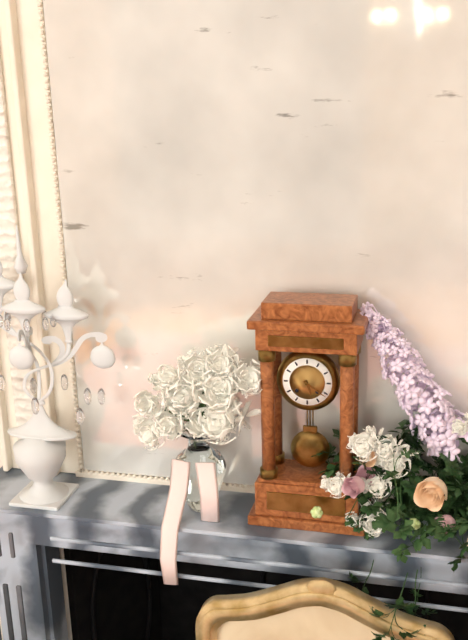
5:21
